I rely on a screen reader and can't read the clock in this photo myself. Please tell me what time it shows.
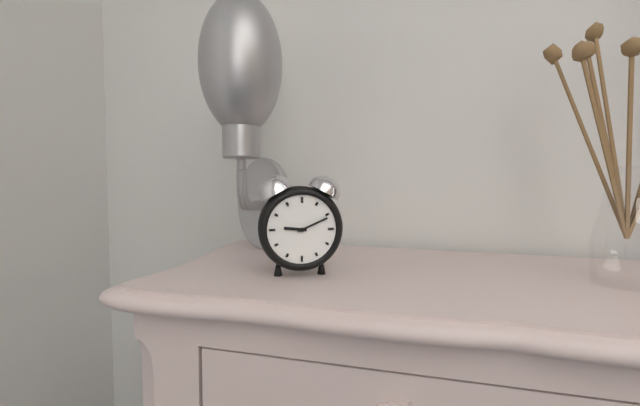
9:11
